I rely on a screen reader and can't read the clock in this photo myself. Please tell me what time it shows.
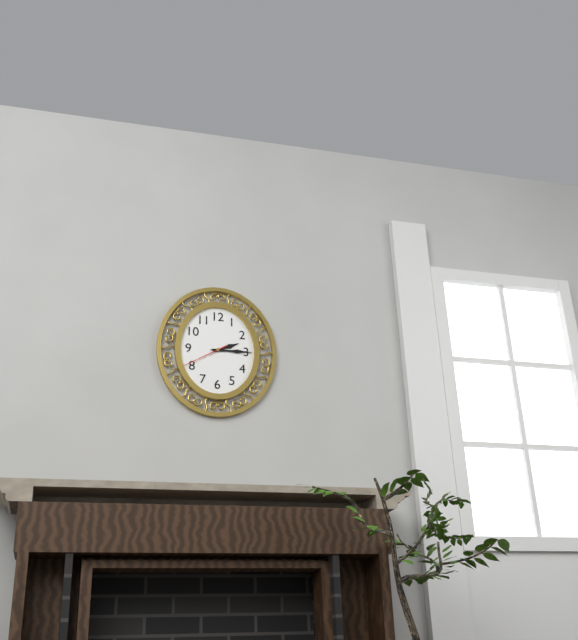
2:15
